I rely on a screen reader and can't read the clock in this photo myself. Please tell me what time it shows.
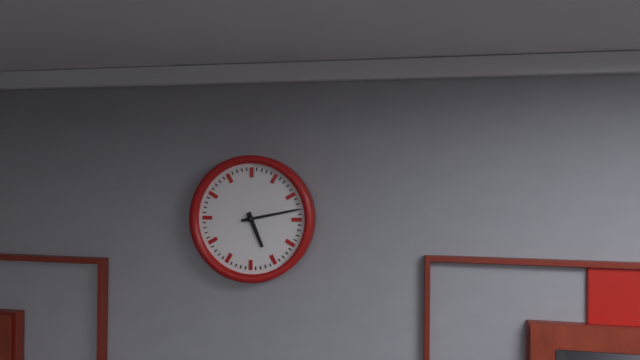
5:13
